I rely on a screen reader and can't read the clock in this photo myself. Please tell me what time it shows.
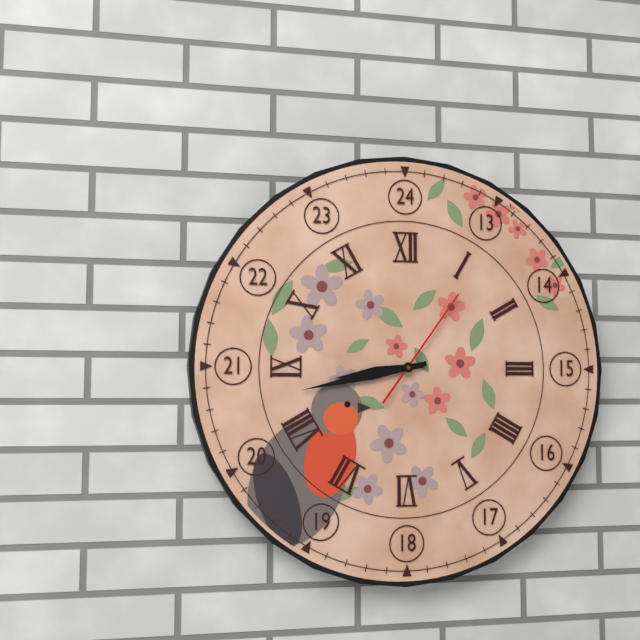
8:43:06
